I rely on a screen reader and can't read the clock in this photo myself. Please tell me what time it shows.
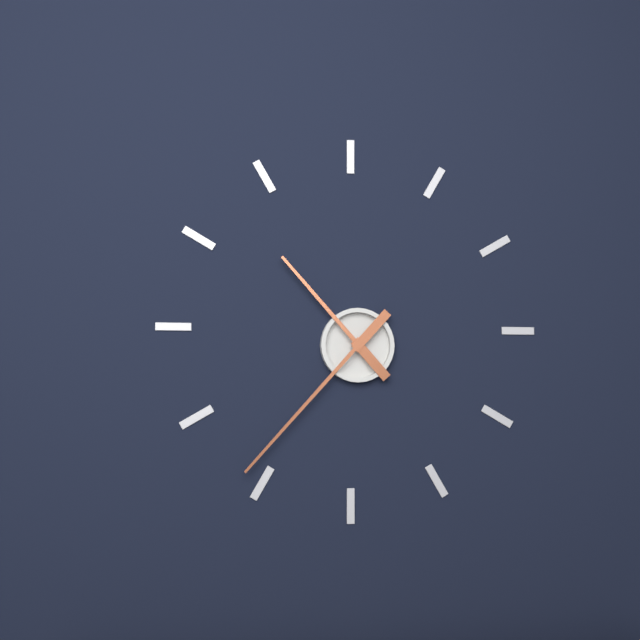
10:37
